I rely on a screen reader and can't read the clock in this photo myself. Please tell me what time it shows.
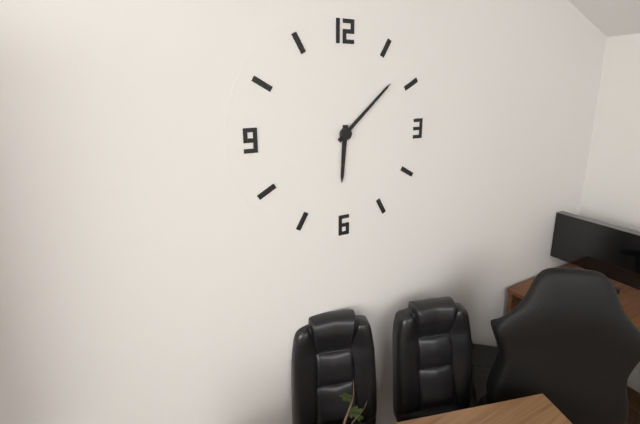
6:08
